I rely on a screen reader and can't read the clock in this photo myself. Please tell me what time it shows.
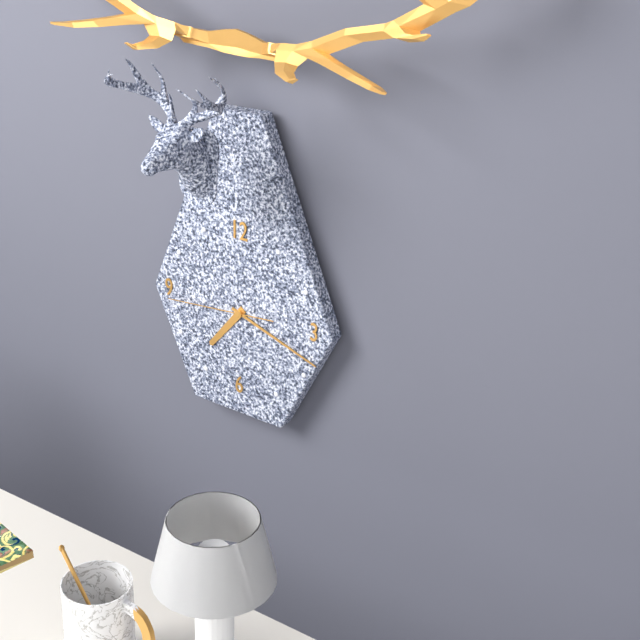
7:18:44
